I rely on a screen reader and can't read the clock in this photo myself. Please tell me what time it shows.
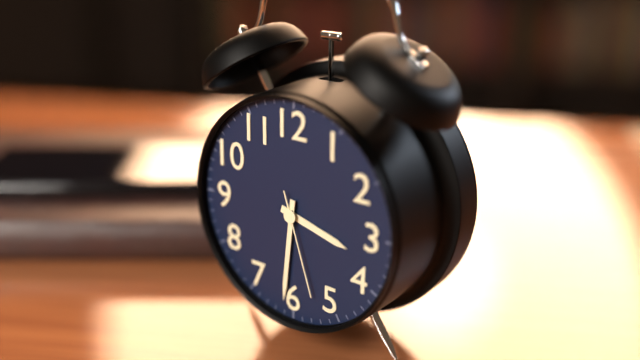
3:31:27
